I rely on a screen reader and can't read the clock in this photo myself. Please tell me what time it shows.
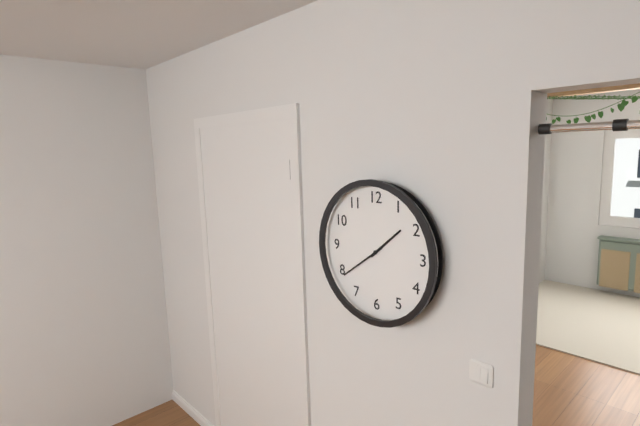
1:39
